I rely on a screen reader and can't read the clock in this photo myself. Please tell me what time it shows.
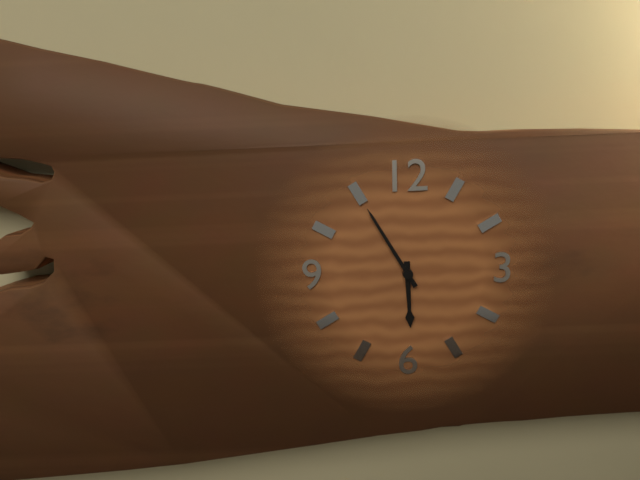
5:55
